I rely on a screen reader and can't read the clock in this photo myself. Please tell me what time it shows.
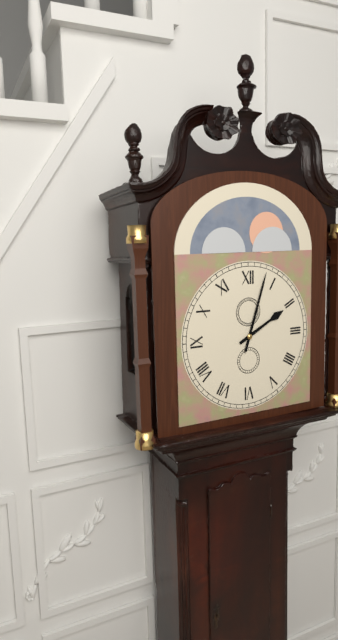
2:03
